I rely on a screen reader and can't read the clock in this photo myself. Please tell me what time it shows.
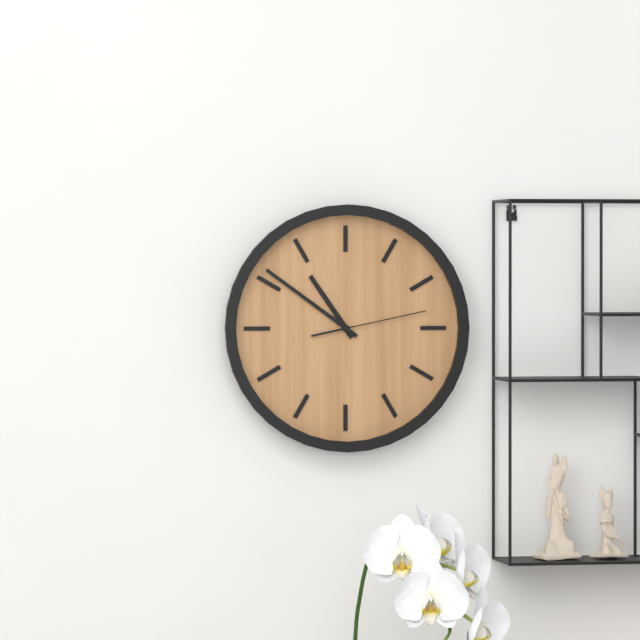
10:51:13
